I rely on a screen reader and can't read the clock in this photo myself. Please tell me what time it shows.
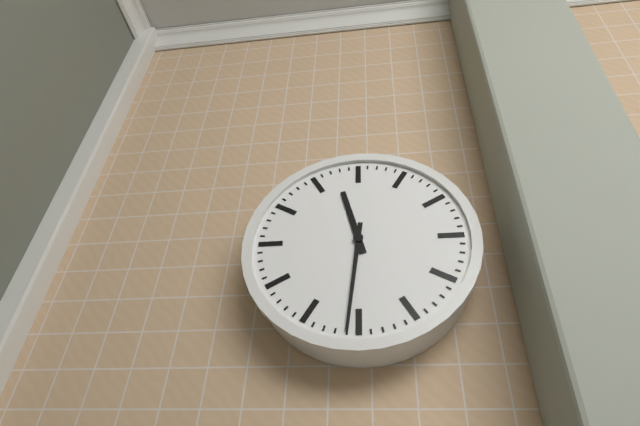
11:31
